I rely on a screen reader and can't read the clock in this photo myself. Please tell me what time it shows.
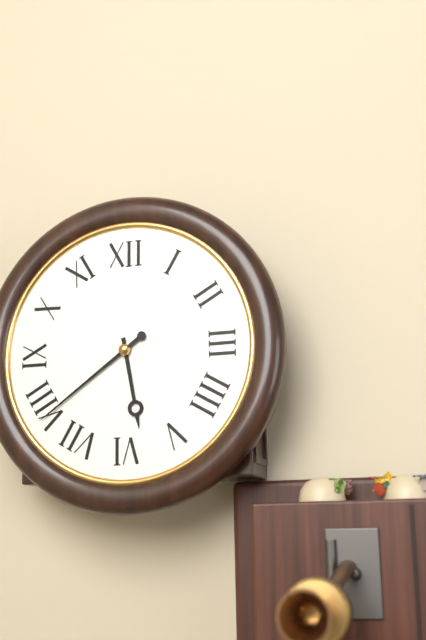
5:39
